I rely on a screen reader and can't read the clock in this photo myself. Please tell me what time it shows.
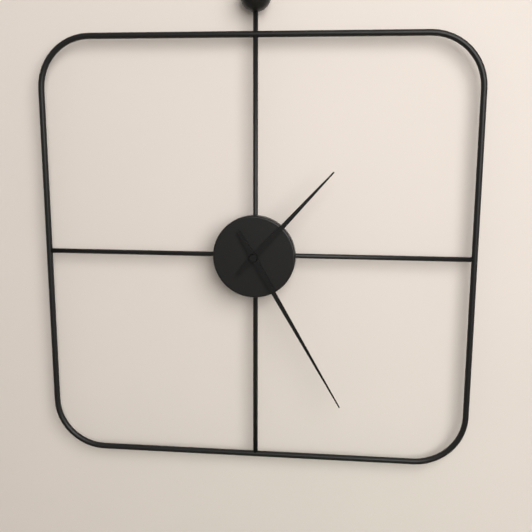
1:25
